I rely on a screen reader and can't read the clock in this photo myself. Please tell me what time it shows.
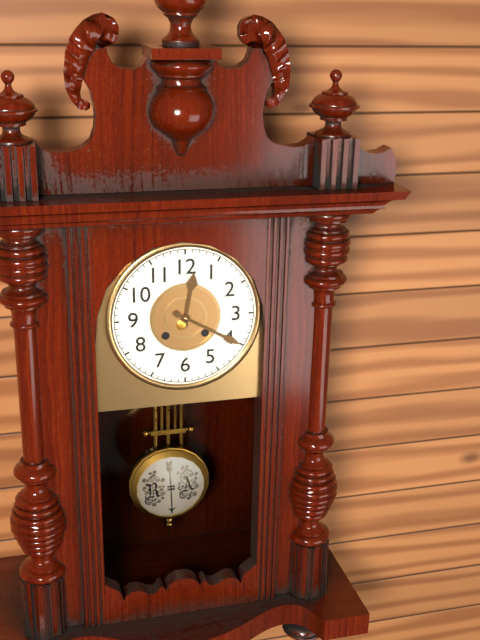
12:20
